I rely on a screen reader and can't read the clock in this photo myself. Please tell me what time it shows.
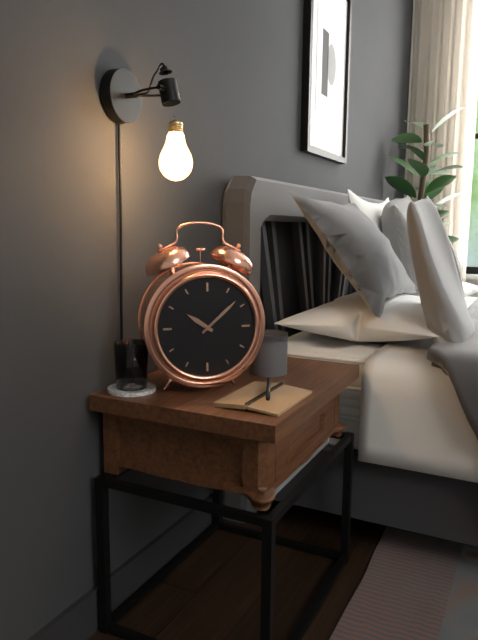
10:08
